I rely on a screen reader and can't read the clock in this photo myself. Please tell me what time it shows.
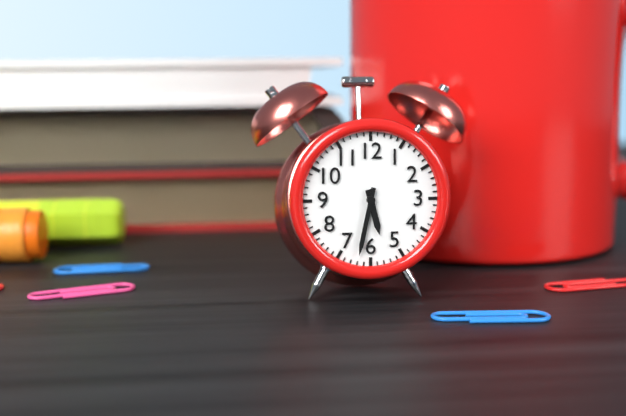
5:32
